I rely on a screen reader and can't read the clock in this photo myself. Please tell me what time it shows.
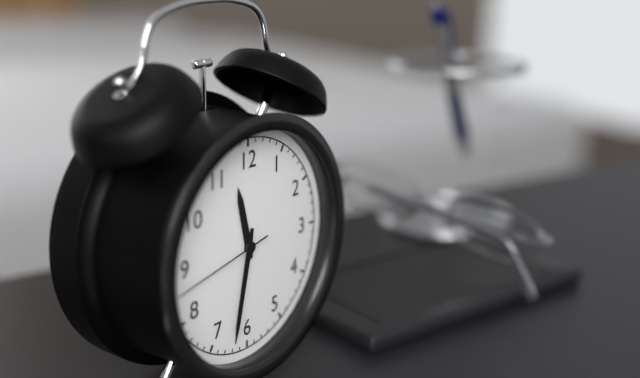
11:32:43
